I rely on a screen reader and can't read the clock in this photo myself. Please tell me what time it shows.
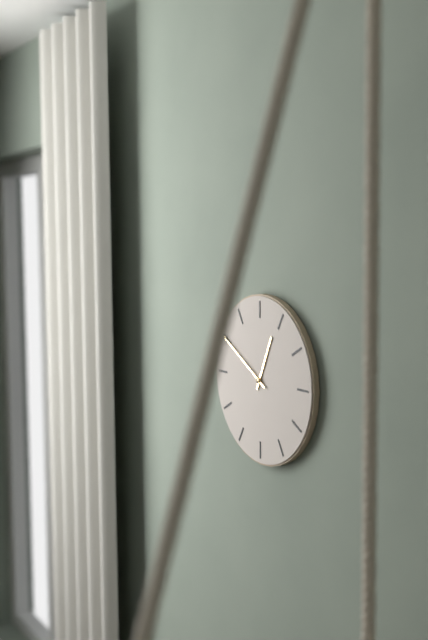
12:50
